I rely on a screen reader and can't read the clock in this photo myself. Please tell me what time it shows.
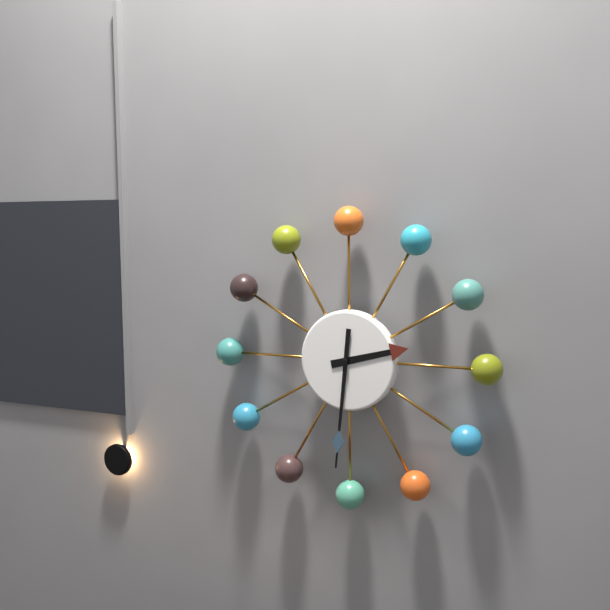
2:31
